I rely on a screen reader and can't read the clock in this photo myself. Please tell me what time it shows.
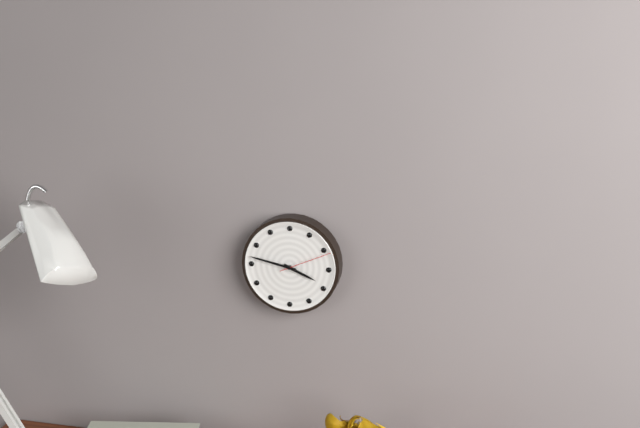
3:47
